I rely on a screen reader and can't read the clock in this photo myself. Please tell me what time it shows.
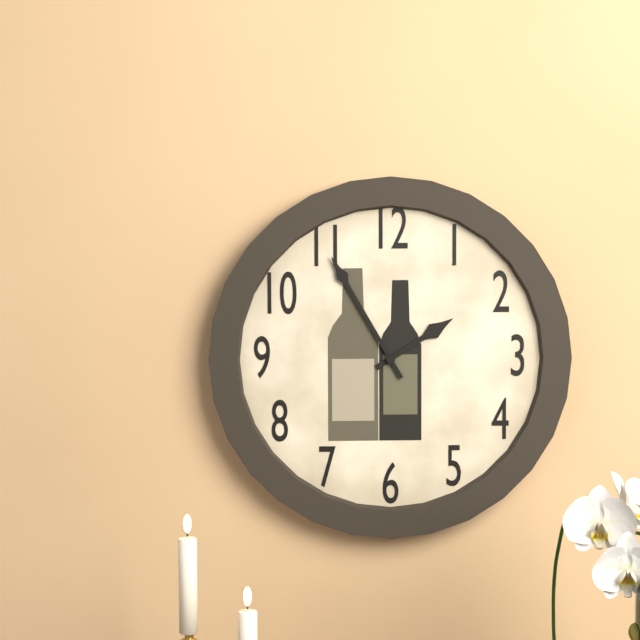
1:55
